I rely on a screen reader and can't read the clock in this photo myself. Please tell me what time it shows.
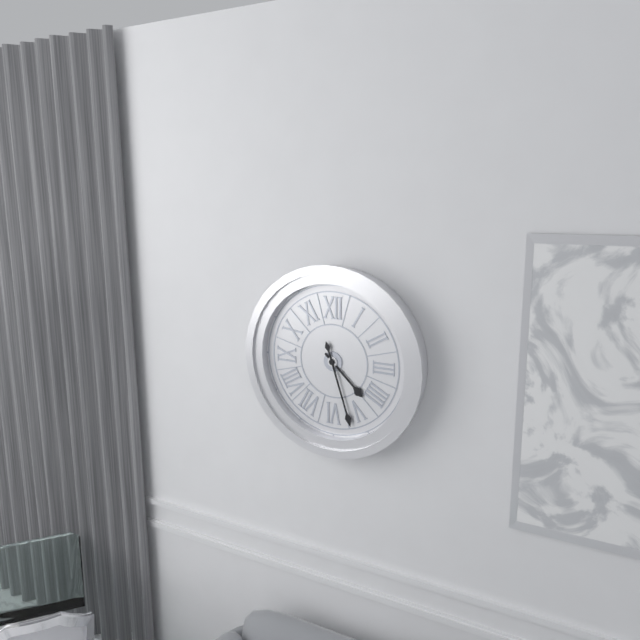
4:27
